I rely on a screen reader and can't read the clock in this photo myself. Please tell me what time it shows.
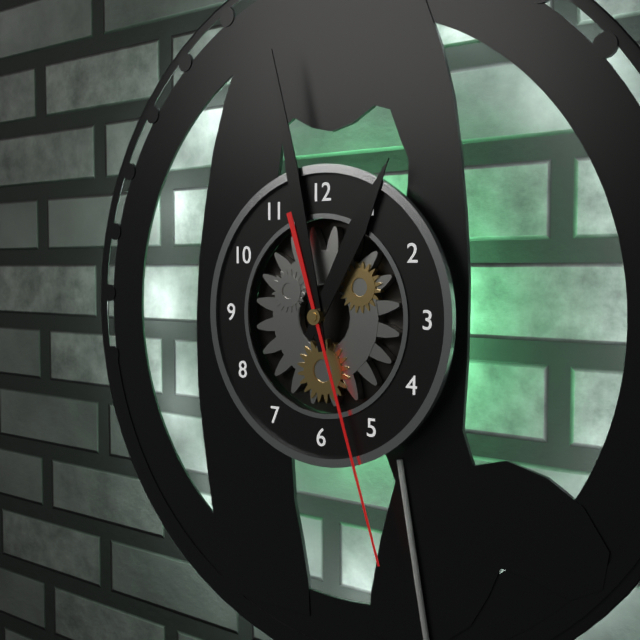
12:58:27
